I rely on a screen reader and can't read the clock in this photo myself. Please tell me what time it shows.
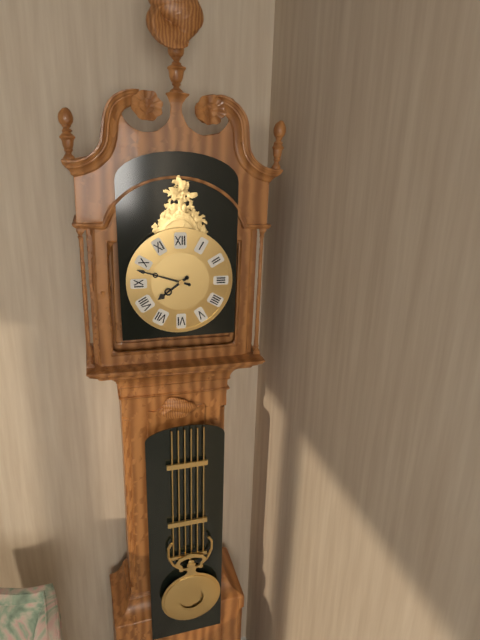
7:48
